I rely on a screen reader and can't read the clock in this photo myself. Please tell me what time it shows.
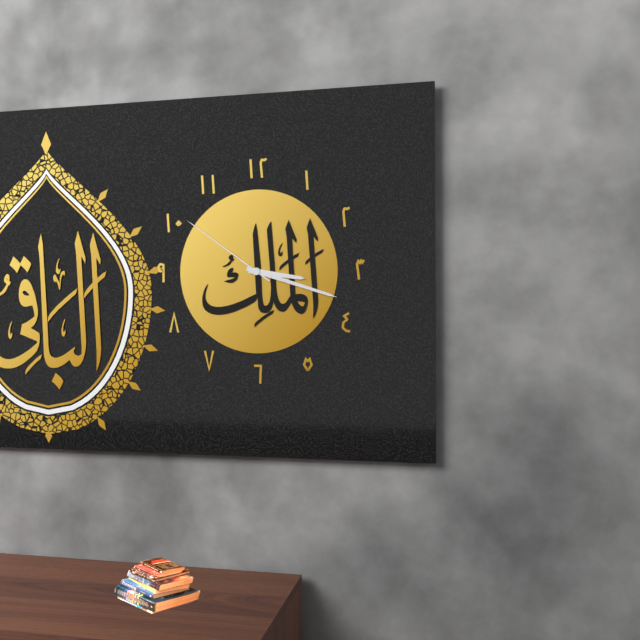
3:18:51
